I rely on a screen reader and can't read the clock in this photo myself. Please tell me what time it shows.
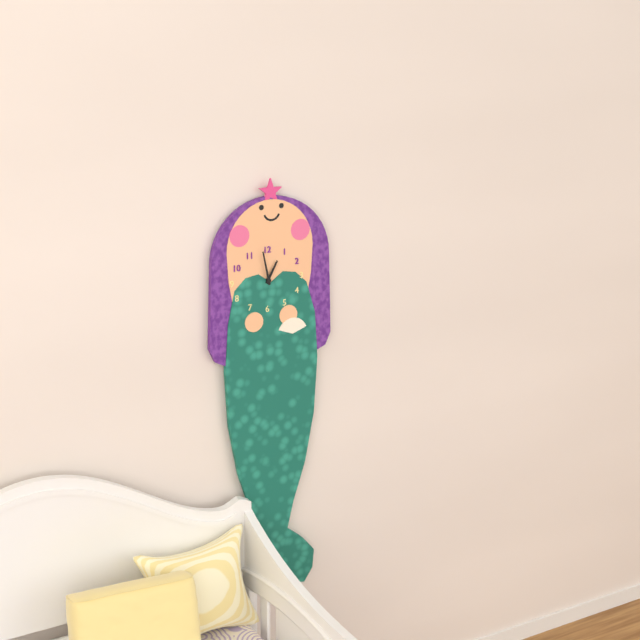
12:58
